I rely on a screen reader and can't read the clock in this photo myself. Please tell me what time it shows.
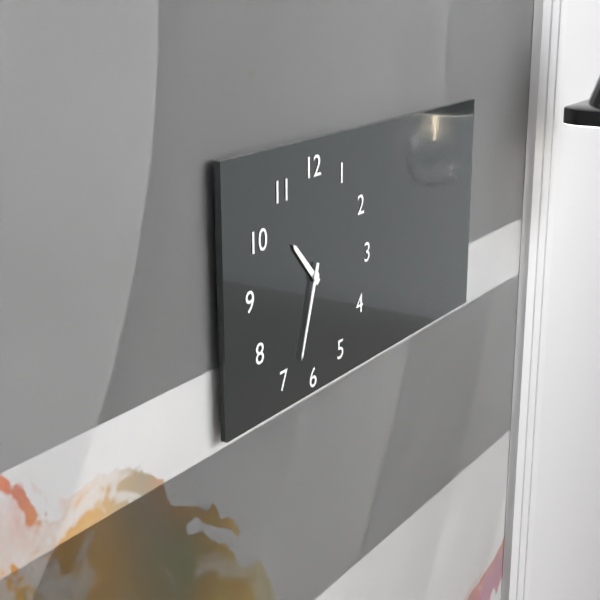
10:33
